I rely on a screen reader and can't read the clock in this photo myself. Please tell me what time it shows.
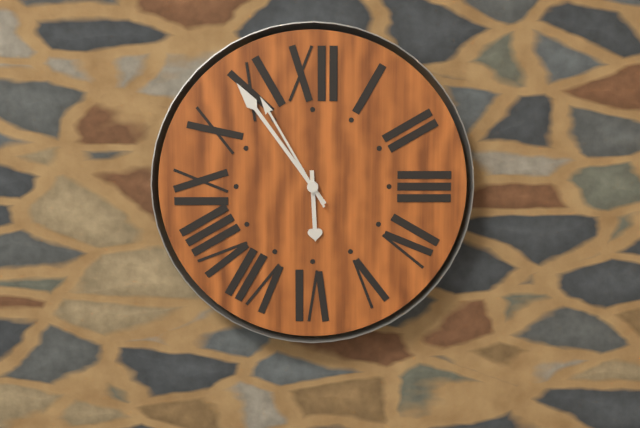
5:54:55
